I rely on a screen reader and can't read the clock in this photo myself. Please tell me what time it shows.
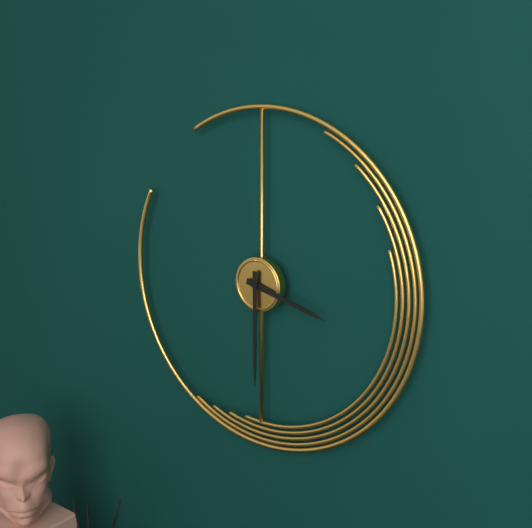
3:30
